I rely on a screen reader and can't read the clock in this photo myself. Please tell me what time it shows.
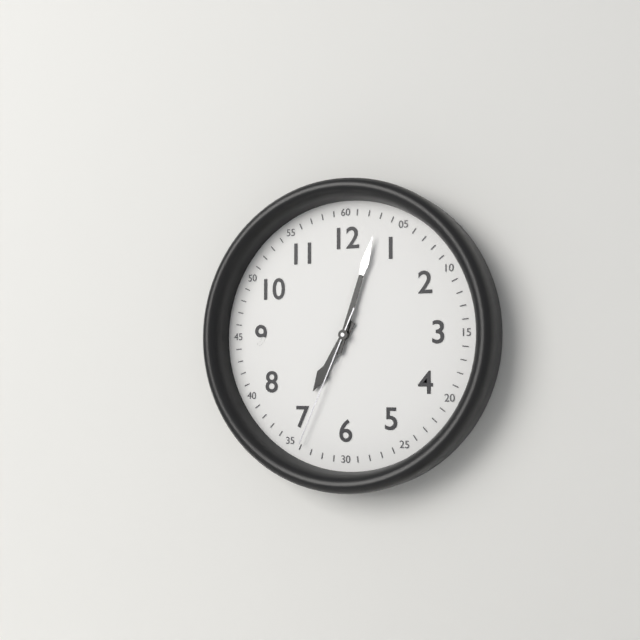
7:03:34
